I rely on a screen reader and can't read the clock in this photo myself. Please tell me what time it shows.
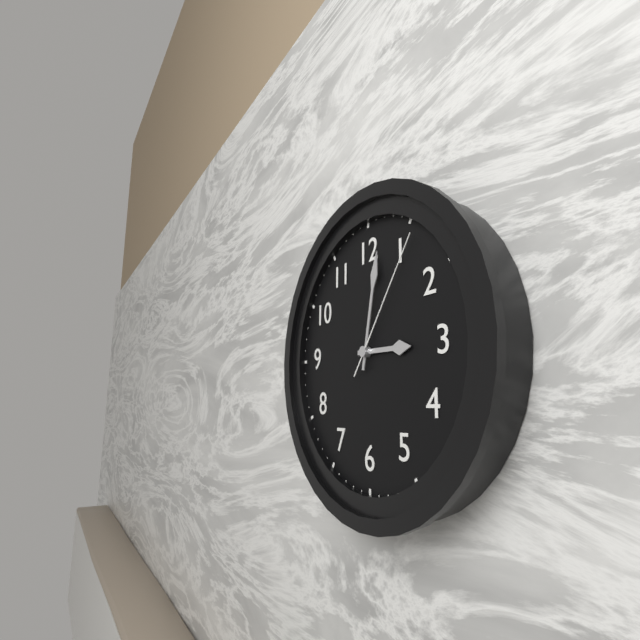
3:02:06
